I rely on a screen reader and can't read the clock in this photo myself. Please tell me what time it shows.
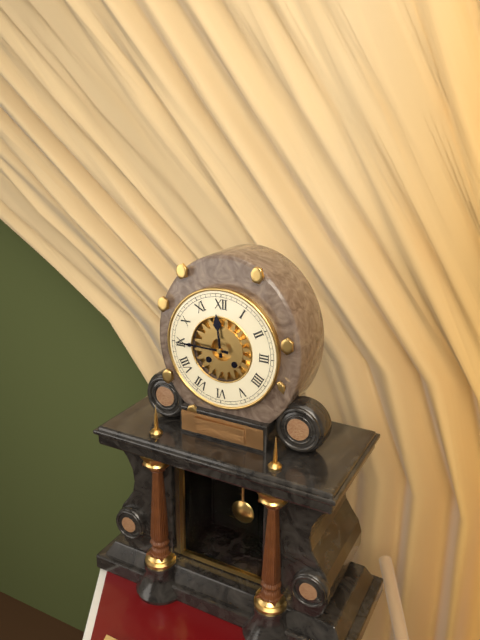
11:45
